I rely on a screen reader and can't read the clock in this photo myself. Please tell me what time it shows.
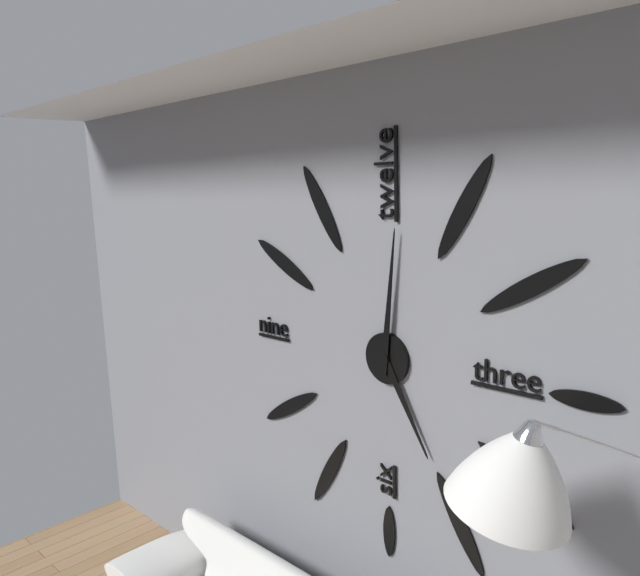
5:01
